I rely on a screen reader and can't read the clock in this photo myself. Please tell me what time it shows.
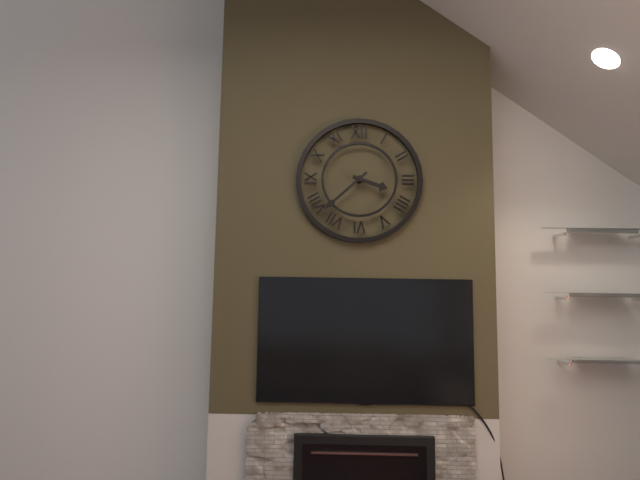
3:38
